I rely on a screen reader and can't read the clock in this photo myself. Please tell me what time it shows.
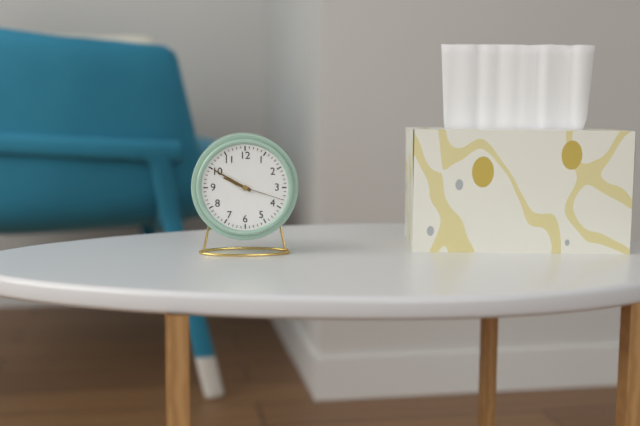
9:50
